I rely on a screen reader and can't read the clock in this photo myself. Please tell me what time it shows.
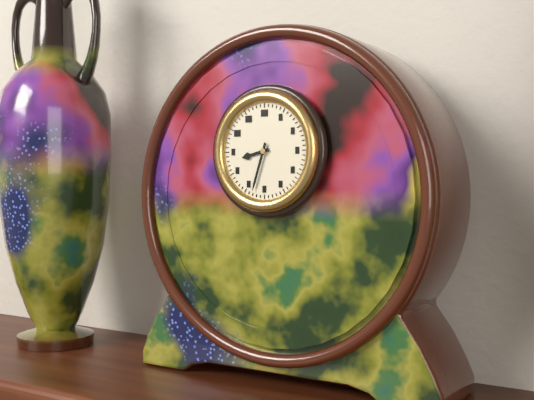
8:33
